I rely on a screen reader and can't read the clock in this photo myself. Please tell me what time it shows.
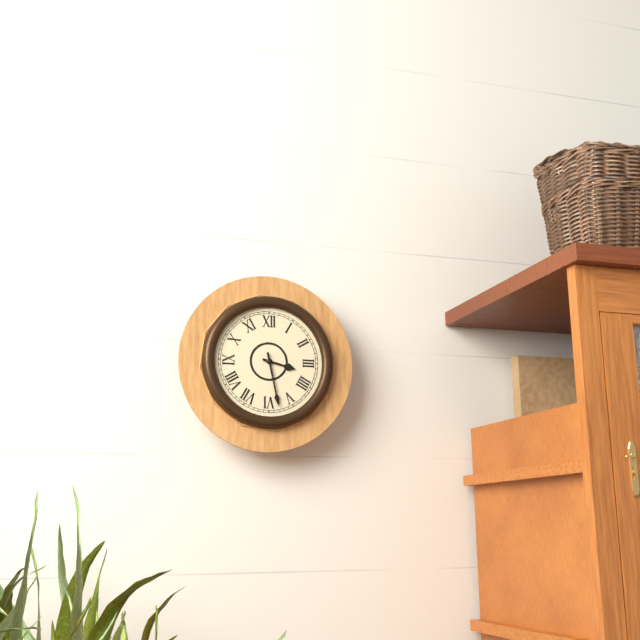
3:28
